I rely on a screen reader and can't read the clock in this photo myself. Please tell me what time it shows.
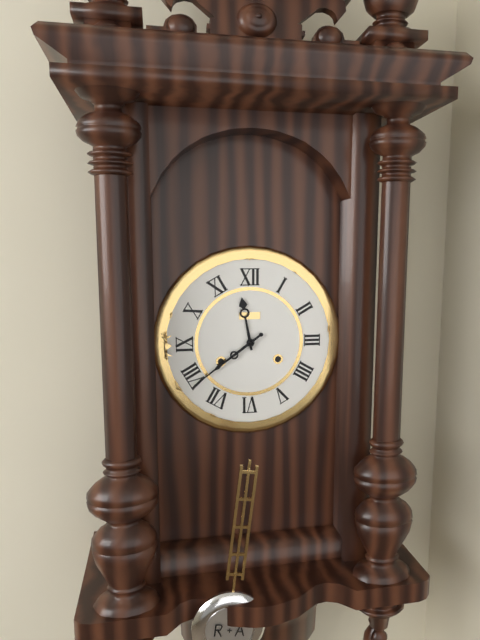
11:39
